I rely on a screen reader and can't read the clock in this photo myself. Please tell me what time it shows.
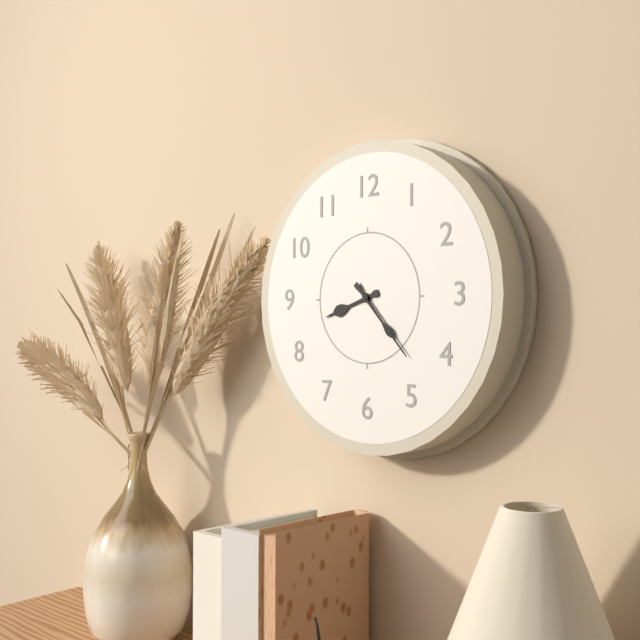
8:23
